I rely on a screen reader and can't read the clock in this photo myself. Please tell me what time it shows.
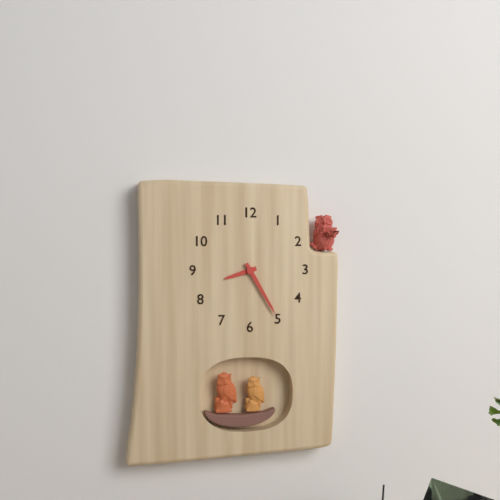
8:25
